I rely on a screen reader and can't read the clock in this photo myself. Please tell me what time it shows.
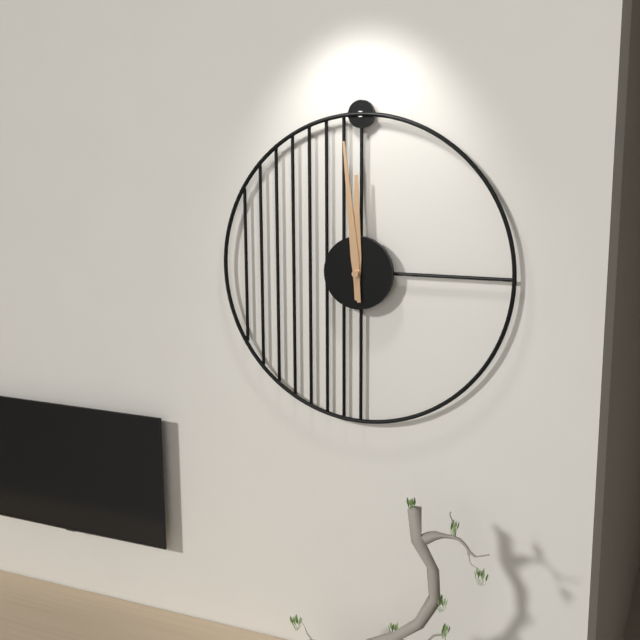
11:59
